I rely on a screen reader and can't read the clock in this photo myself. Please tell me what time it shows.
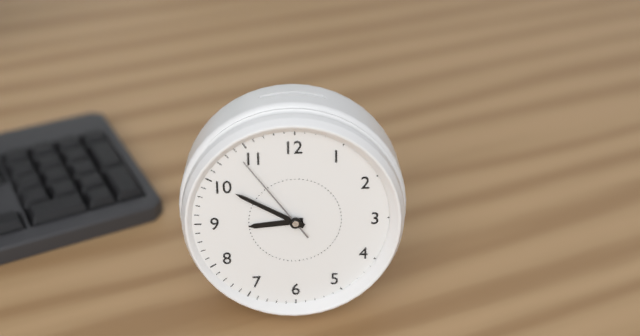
8:50:54
